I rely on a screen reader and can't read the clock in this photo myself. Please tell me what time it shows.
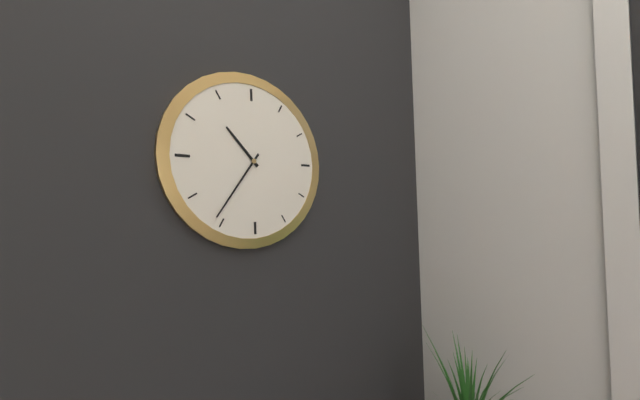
10:36
